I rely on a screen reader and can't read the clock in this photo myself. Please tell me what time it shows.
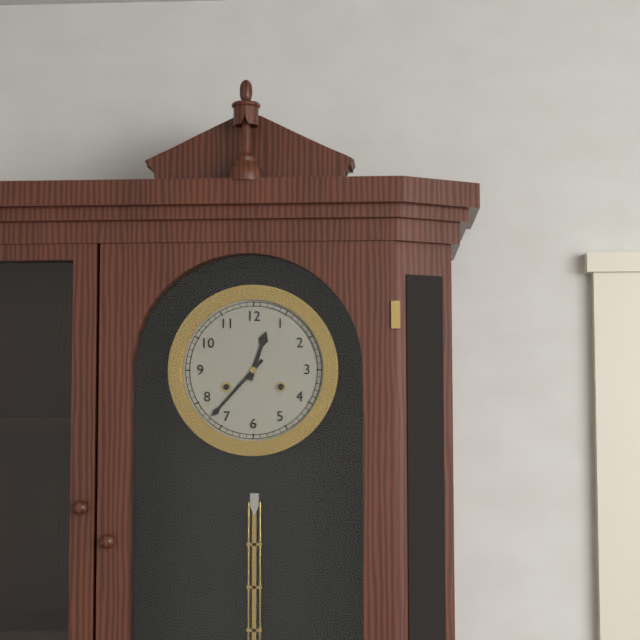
12:37
